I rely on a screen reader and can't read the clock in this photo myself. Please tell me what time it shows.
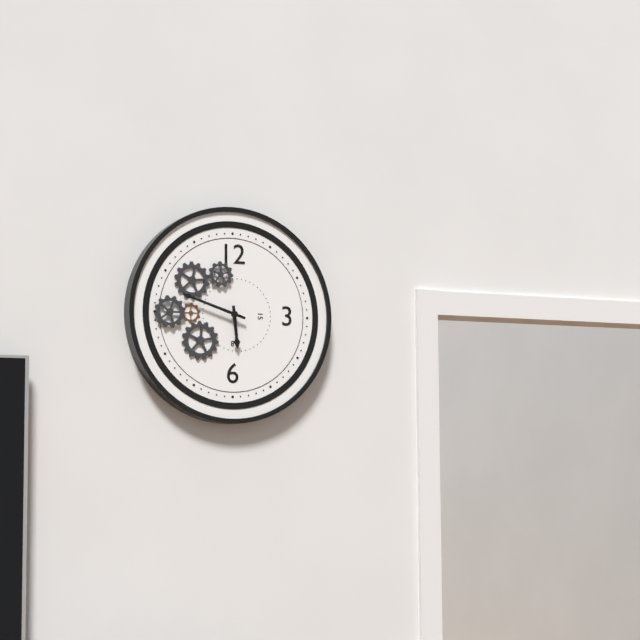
5:48
